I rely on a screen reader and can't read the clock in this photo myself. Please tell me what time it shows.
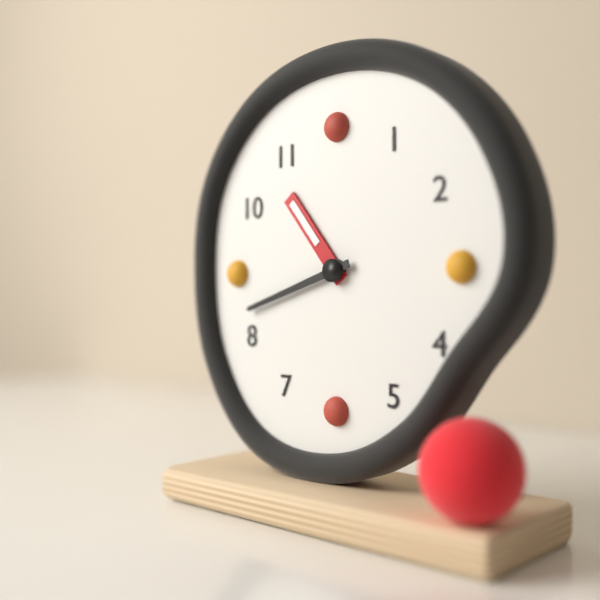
10:42
